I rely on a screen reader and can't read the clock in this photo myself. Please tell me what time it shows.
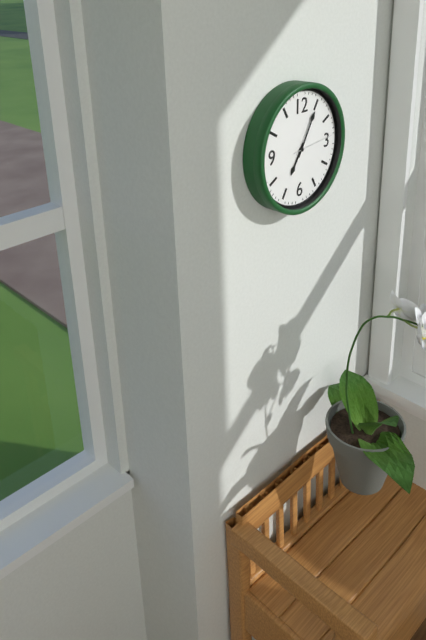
7:05:14
